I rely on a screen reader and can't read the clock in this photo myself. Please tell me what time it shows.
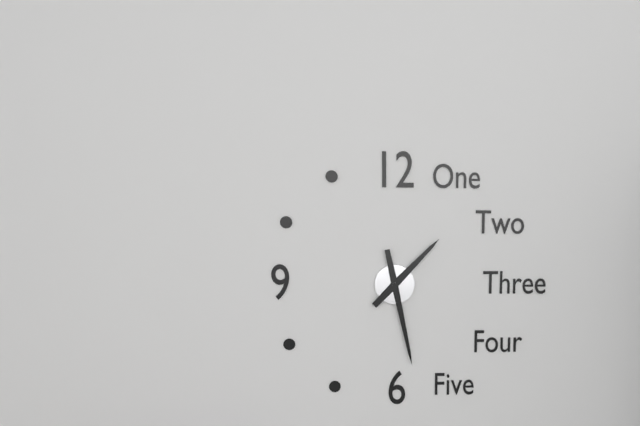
1:28
